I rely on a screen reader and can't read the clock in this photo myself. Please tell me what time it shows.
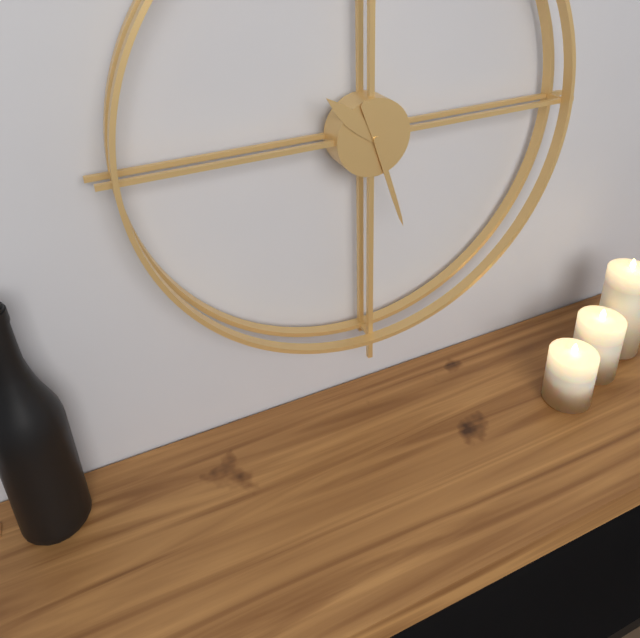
10:27
